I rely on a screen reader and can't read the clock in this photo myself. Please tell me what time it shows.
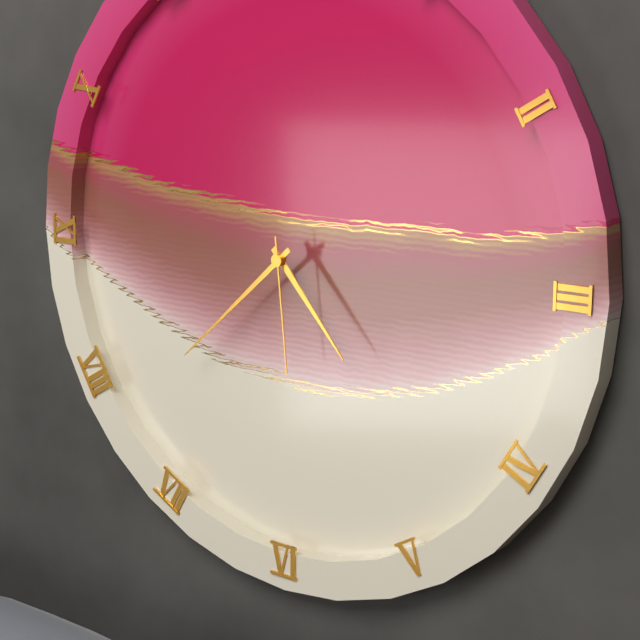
4:38:29
